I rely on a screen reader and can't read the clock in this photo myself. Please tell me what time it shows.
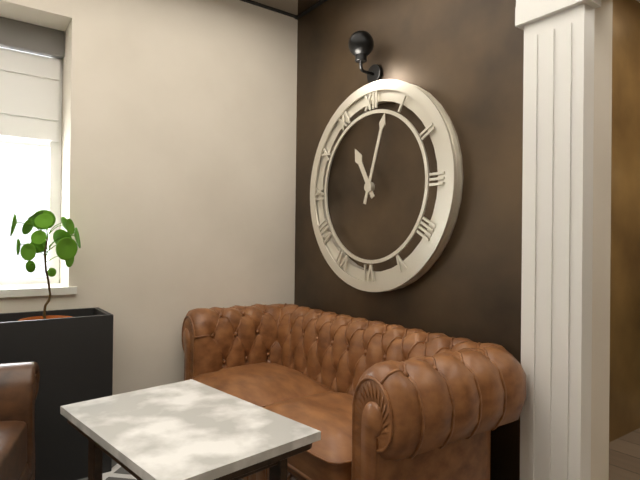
11:03
